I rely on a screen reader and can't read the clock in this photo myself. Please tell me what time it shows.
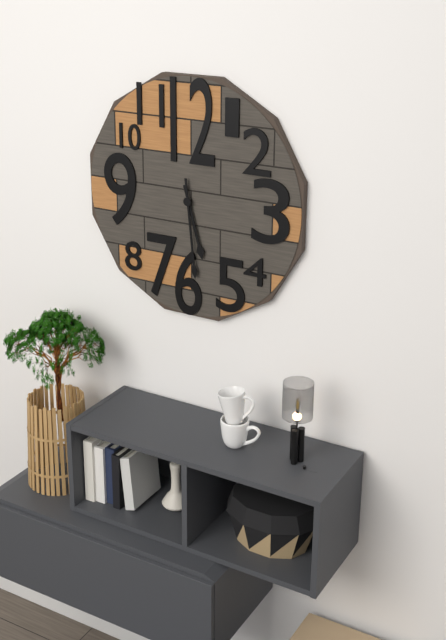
5:29
